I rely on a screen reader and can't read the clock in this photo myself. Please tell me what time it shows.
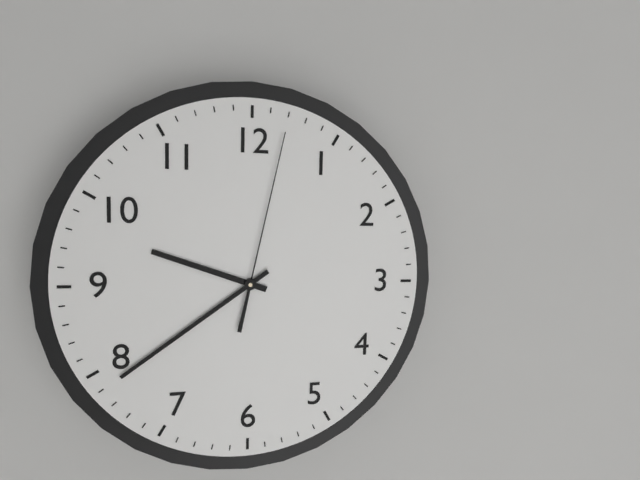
9:39:02
